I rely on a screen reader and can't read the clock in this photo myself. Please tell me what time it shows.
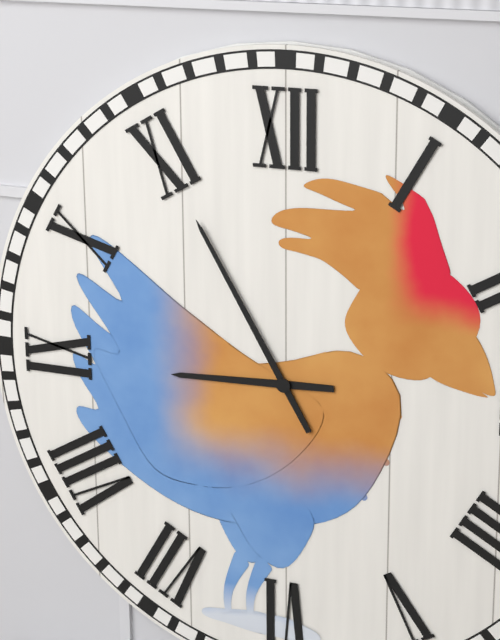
8:55
